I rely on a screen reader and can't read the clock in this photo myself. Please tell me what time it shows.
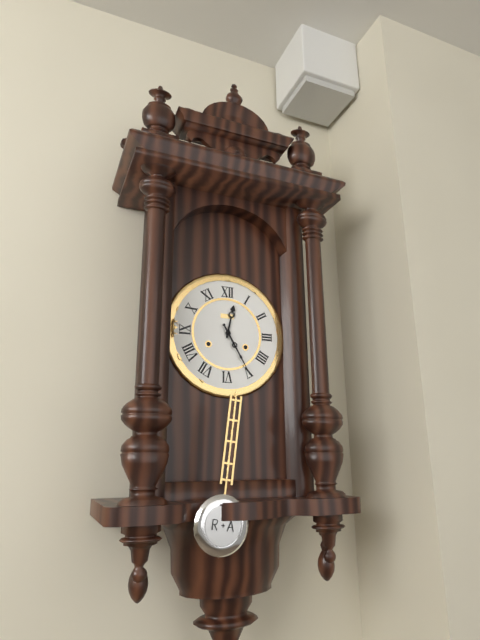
12:25
